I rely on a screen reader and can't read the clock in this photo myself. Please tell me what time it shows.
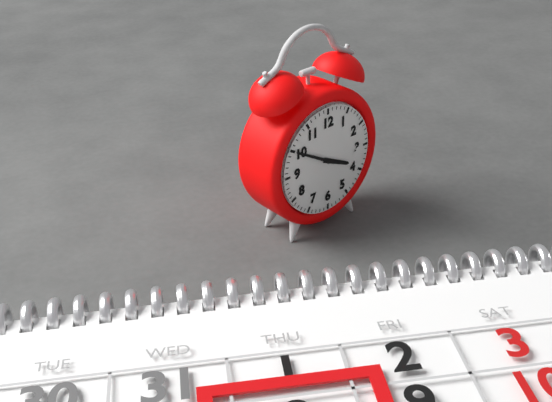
3:50
